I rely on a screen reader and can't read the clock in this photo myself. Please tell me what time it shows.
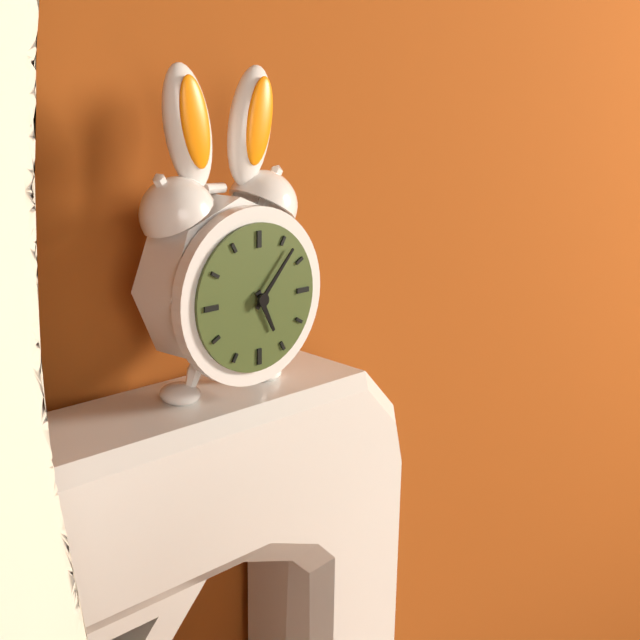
5:07
